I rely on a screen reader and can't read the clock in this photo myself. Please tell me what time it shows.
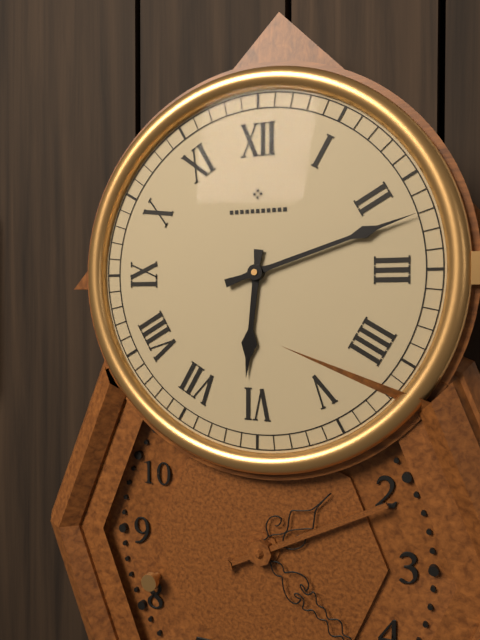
6:12
